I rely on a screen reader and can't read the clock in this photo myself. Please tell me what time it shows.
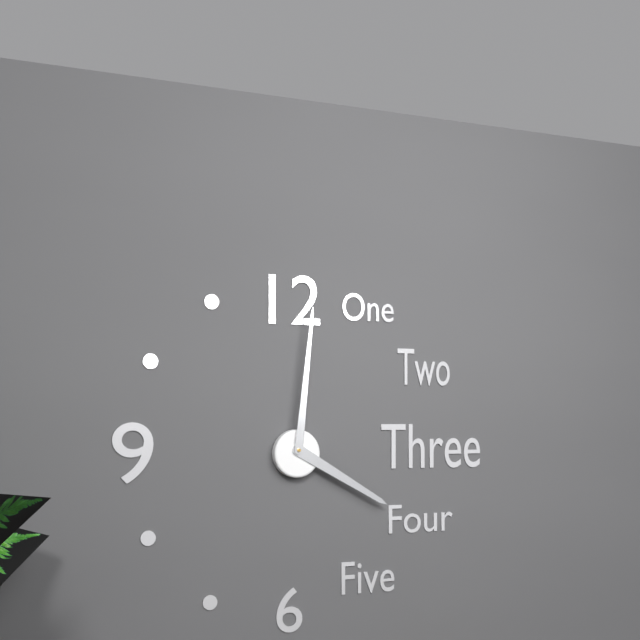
4:01
